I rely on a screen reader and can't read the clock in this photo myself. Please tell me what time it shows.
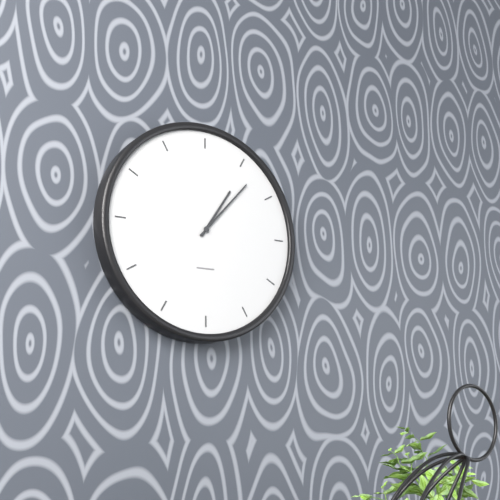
1:07
